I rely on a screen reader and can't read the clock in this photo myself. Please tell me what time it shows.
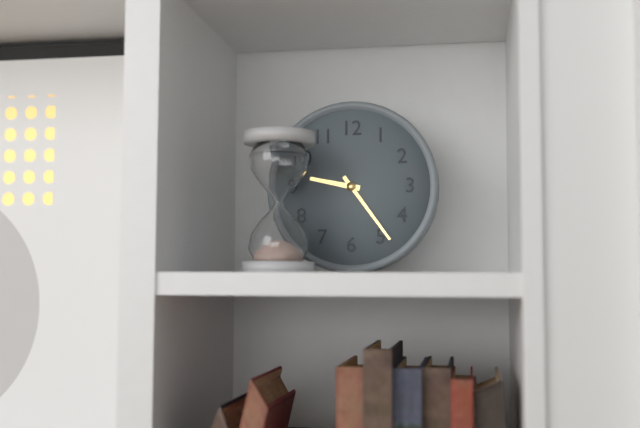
9:24
